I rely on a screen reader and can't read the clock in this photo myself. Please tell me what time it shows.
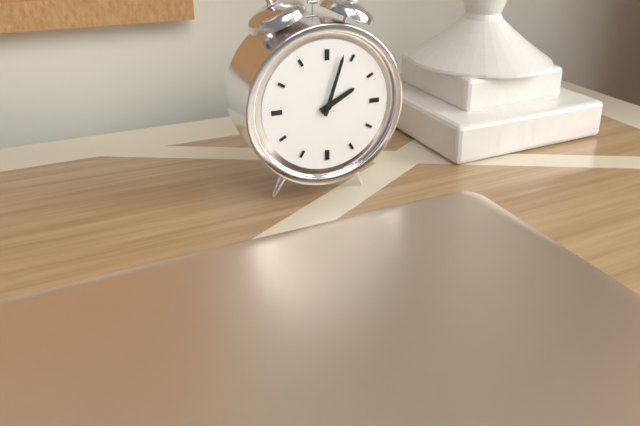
2:03
